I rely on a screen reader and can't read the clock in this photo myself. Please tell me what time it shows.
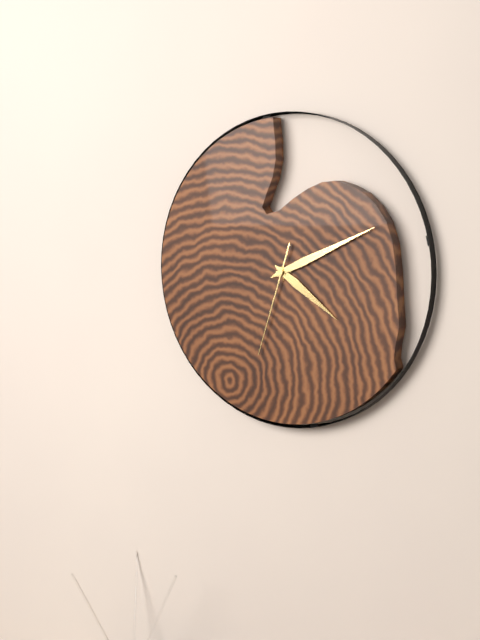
4:11:33
